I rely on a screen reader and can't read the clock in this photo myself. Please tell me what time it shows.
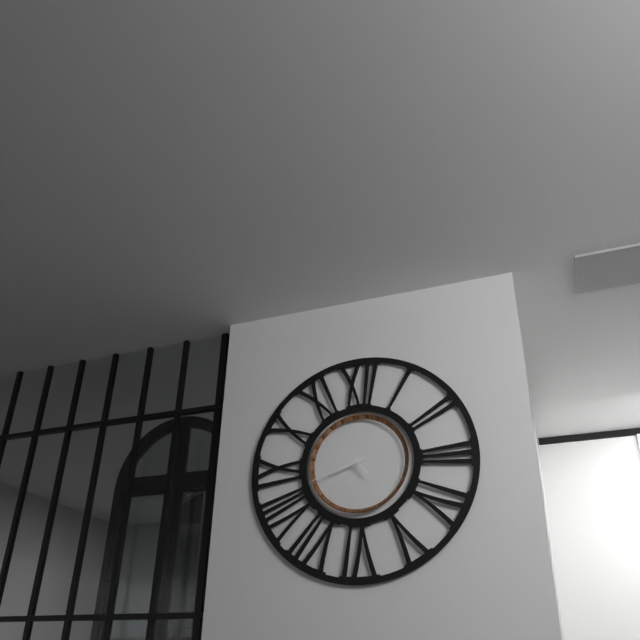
4:42:42
